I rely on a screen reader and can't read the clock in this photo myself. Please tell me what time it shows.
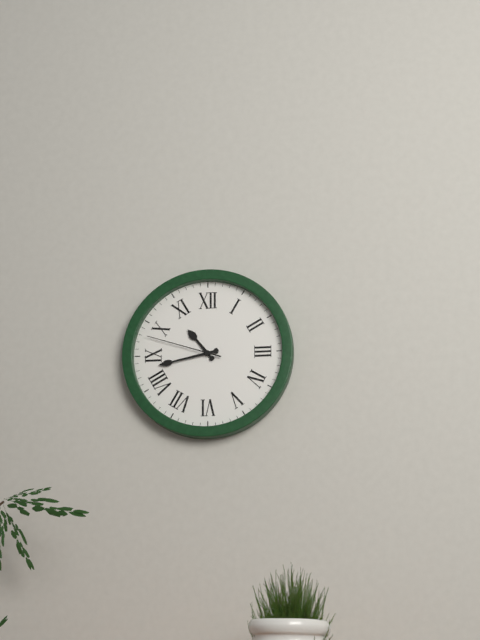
10:43:48
